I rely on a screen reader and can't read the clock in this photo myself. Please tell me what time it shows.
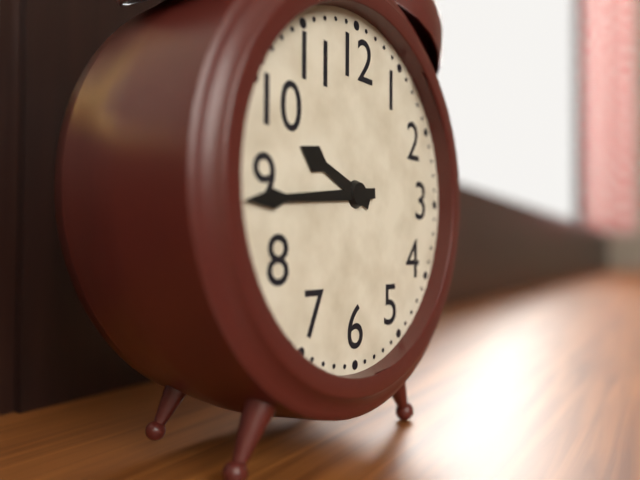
9:44
